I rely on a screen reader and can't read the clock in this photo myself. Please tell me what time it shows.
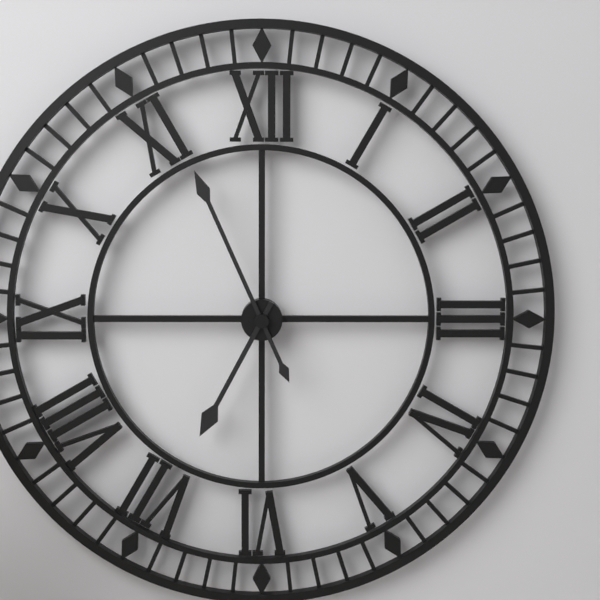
6:56
